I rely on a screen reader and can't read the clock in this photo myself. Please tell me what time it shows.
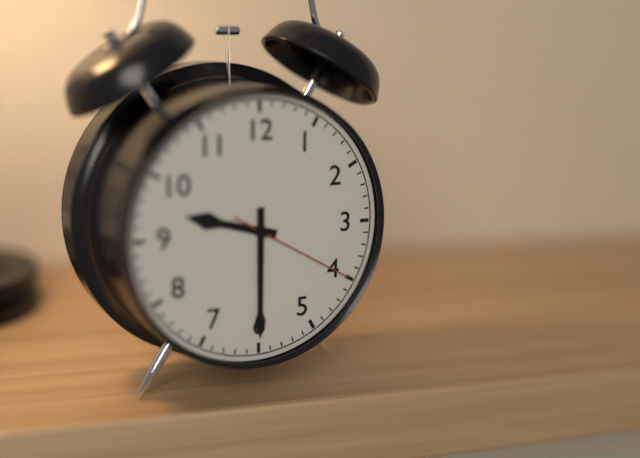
9:30:20
